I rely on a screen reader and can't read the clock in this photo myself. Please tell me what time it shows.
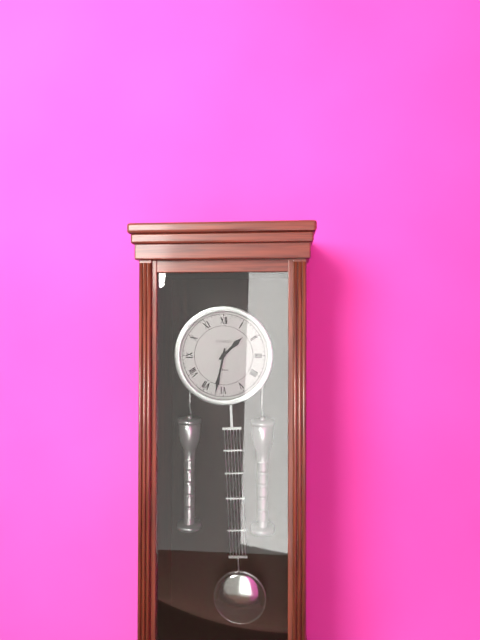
1:32
